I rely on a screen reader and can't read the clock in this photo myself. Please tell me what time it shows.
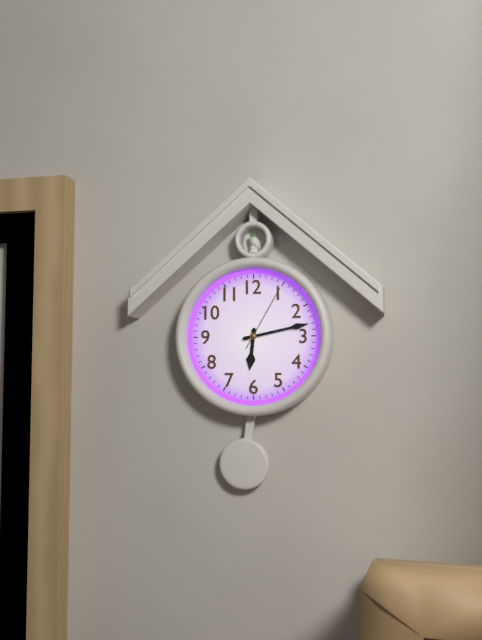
6:13:05
